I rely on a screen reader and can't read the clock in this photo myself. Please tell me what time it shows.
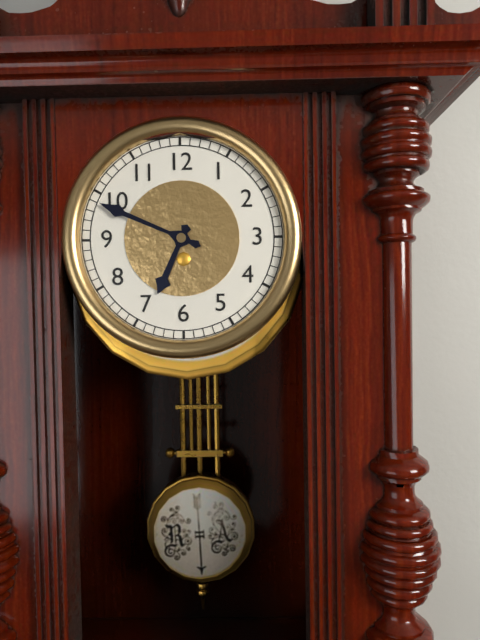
6:49
